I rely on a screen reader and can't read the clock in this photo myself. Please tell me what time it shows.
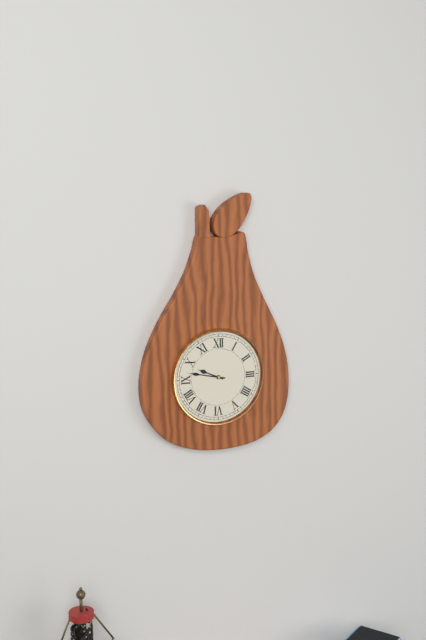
9:47
